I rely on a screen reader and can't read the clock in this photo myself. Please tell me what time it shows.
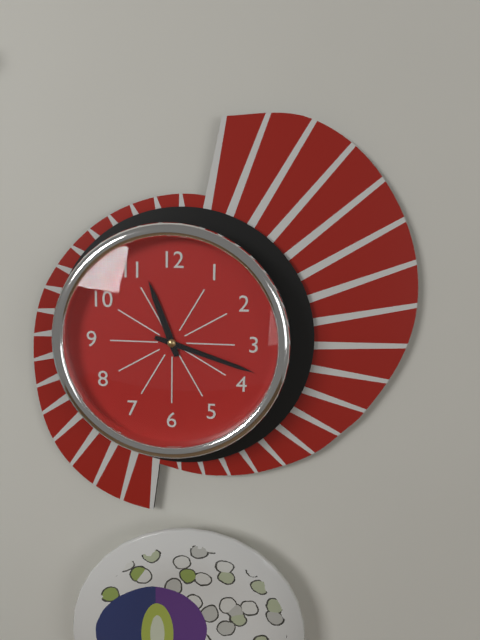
11:18
